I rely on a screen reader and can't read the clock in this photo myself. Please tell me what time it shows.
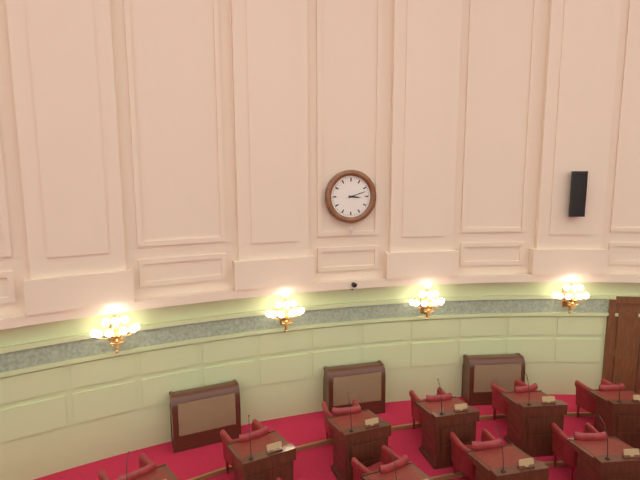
3:12
